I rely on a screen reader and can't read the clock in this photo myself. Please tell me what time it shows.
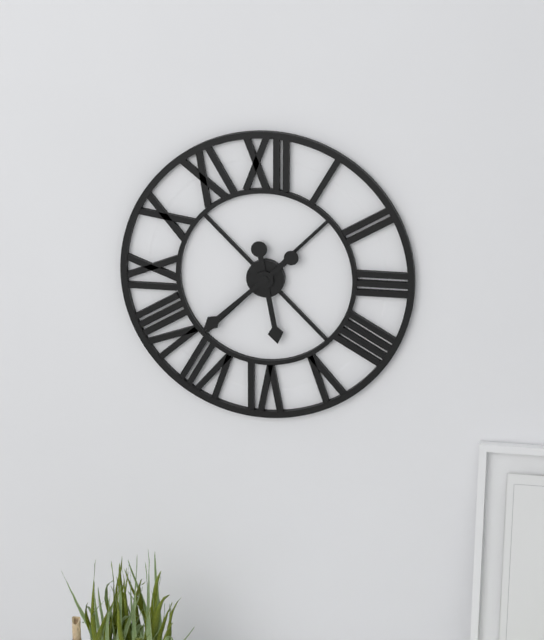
5:38
